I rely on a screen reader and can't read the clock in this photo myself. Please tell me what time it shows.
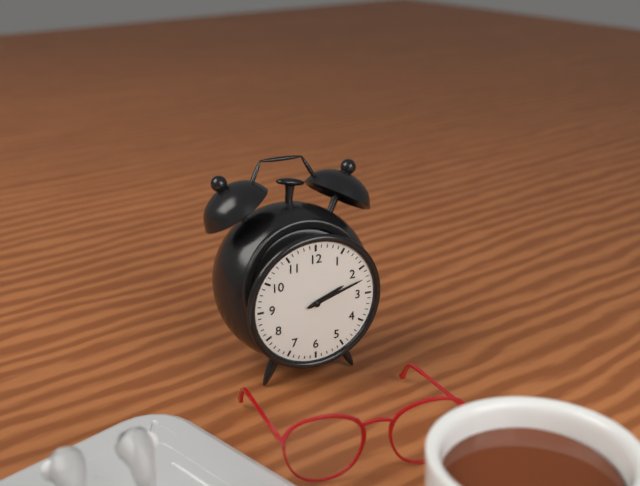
2:12
